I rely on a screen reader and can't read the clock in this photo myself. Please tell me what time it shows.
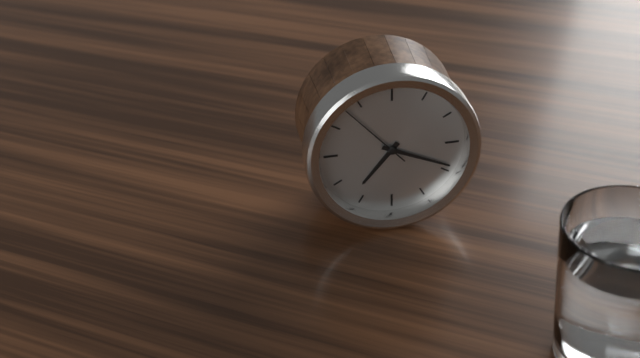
7:19:53
